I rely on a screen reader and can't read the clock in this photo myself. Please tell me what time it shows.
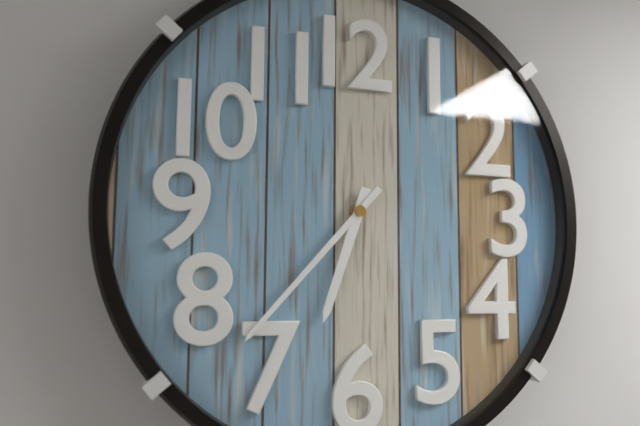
6:37
